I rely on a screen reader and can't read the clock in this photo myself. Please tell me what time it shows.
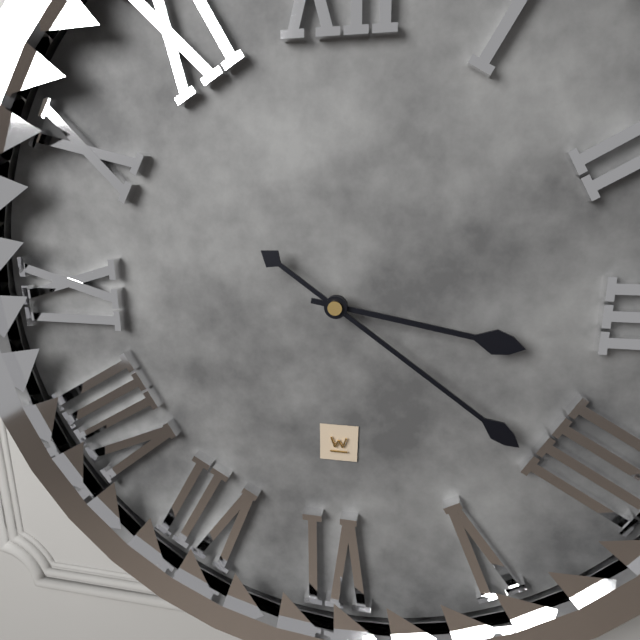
3:21
